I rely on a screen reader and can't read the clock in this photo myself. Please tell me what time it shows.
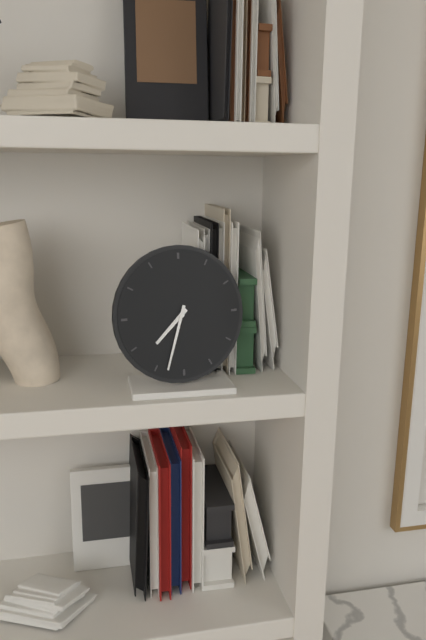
7:33
